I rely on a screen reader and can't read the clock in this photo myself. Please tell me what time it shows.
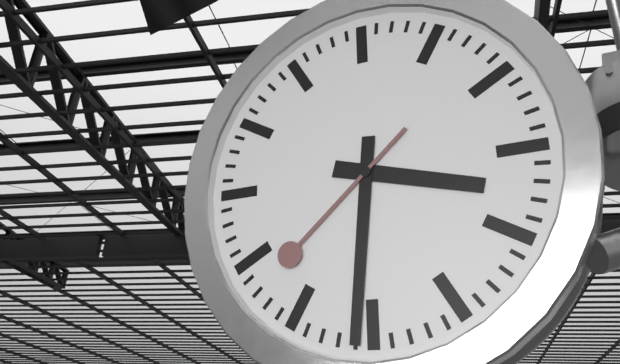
3:31:38
